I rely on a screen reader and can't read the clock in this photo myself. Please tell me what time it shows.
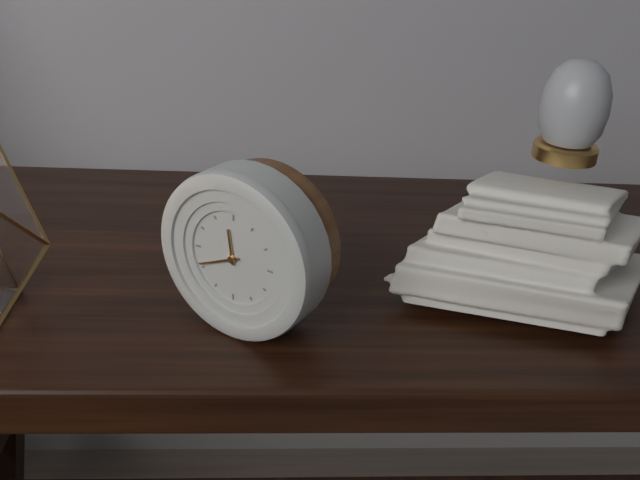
11:41
